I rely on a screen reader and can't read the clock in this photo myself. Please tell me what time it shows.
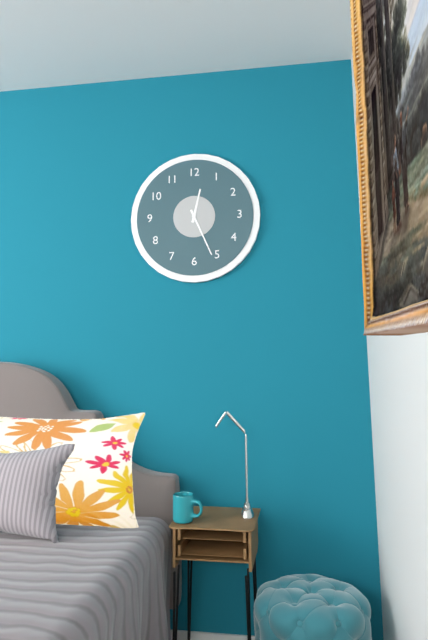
12:26
